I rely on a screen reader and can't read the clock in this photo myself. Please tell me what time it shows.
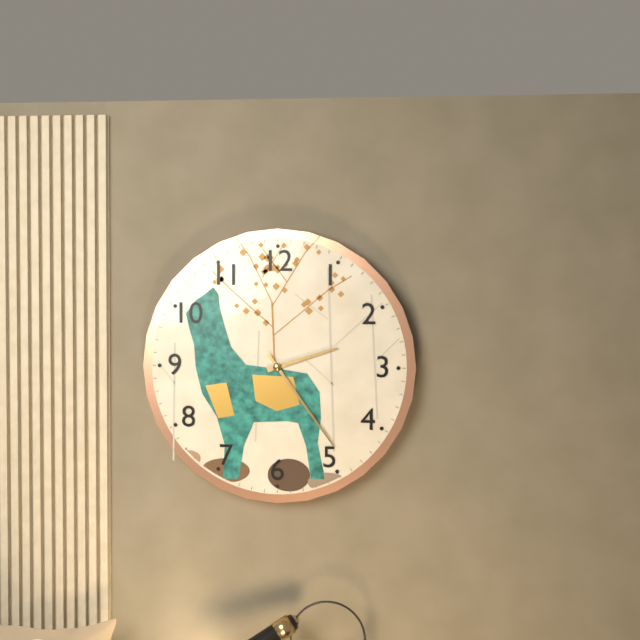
2:24
